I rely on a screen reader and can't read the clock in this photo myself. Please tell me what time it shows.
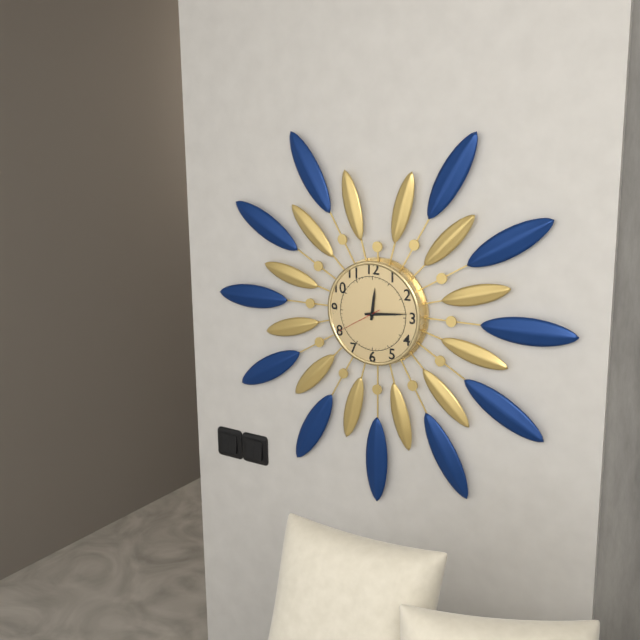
12:14
